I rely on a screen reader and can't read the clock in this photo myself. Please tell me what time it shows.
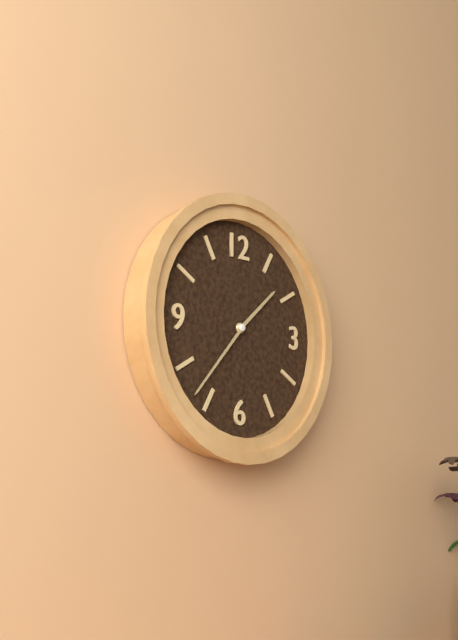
1:37
